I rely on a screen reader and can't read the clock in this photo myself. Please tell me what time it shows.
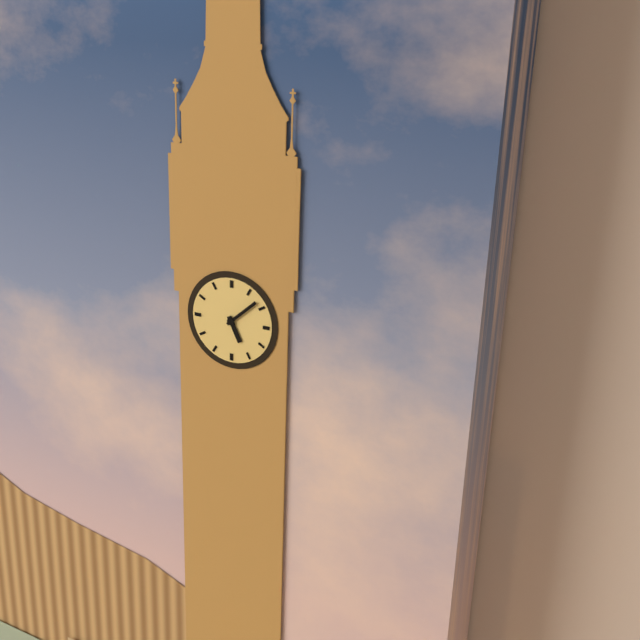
5:08
